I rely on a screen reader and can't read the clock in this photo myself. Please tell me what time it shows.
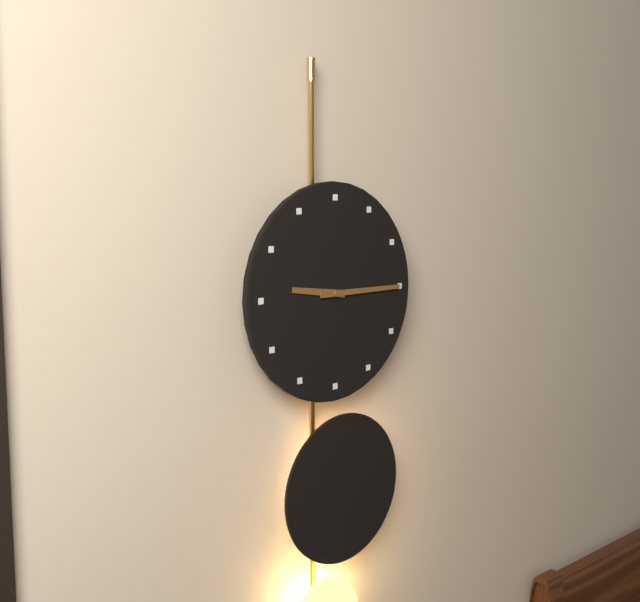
9:15
